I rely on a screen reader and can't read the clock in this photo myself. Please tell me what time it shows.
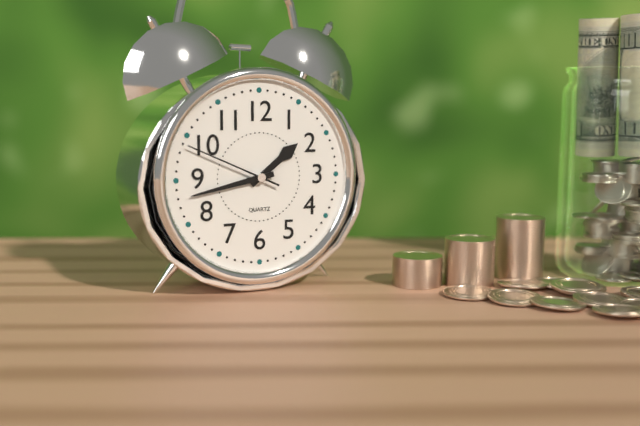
1:43:49
